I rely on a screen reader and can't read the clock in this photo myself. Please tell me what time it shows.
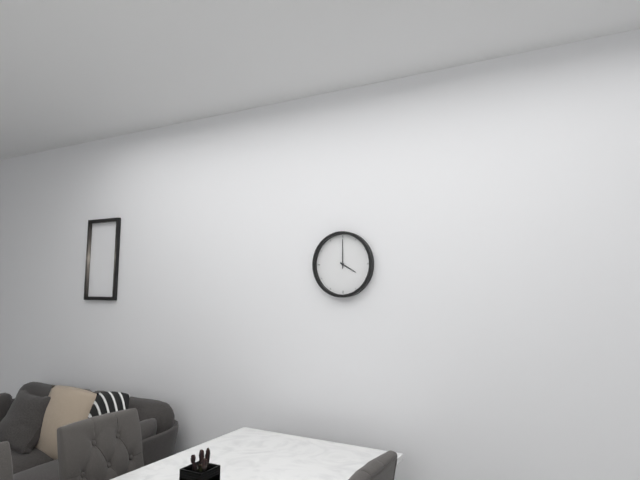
4:00
